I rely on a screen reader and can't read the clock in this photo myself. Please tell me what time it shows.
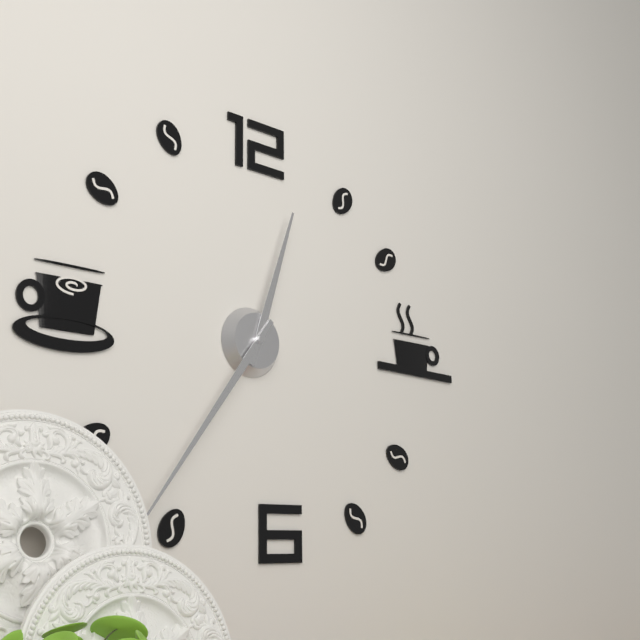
12:36
